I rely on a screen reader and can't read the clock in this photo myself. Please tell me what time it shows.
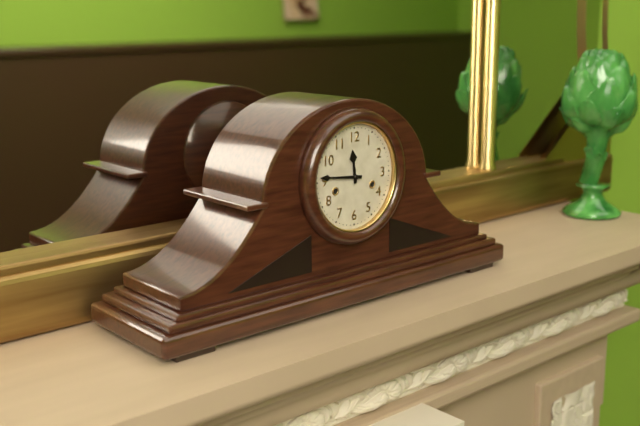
11:46
